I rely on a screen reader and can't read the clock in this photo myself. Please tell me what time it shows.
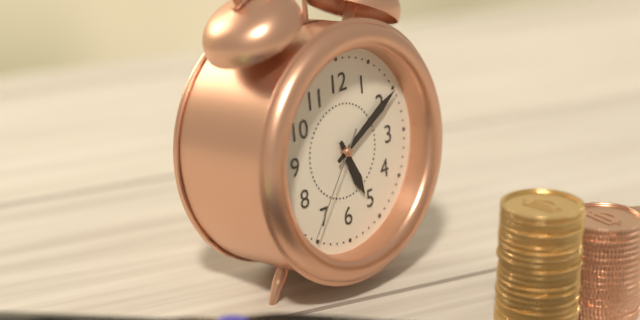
5:10:36
